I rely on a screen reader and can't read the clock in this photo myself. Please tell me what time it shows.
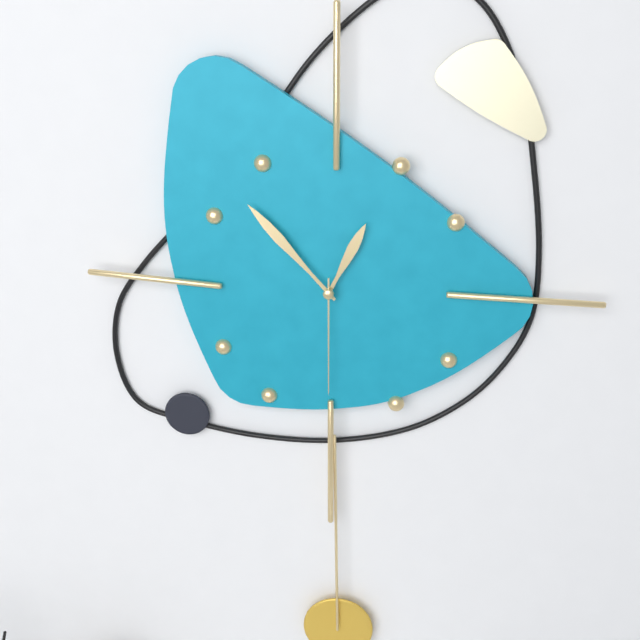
12:53:30
